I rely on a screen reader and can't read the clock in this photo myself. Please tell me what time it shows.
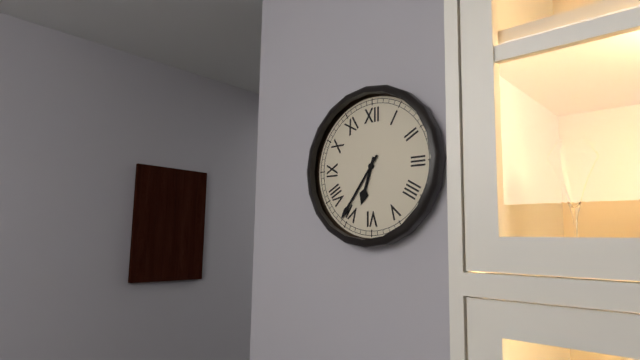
6:36
